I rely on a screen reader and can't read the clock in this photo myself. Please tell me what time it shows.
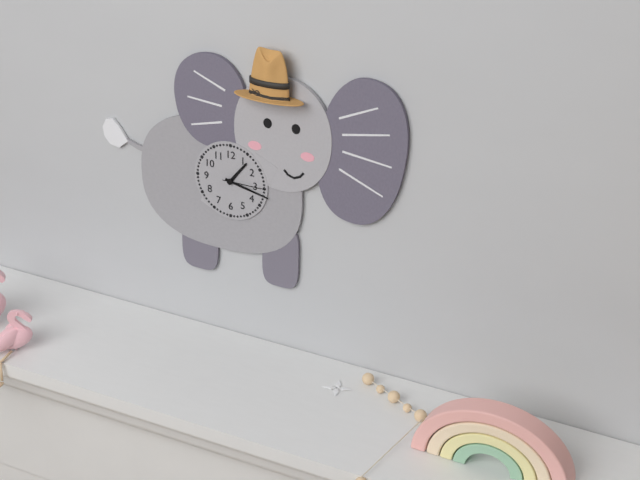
1:17
